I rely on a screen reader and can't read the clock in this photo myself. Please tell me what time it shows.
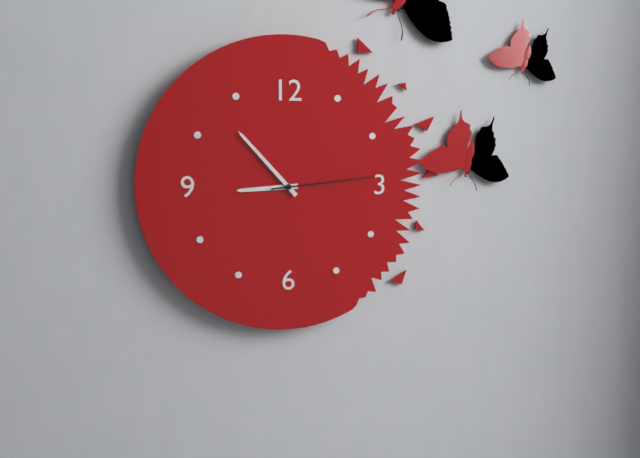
8:53:14
